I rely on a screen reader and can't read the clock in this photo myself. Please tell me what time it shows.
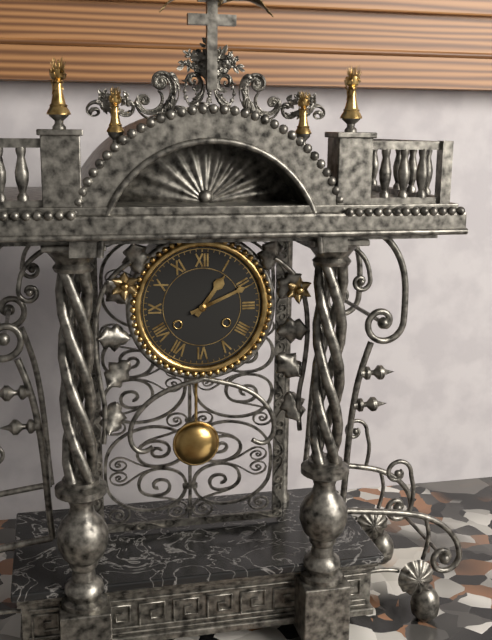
1:11
